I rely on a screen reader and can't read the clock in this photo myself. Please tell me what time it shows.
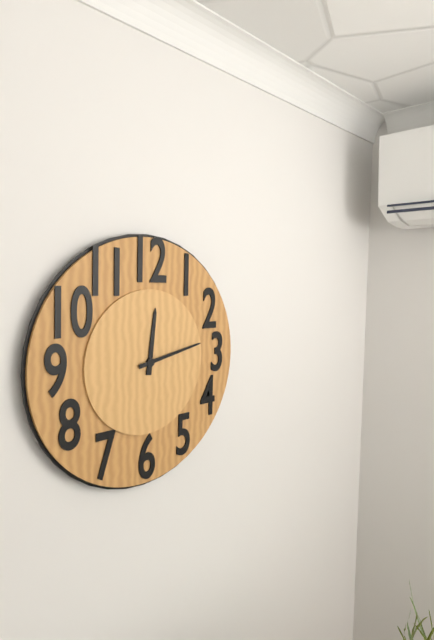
12:13
